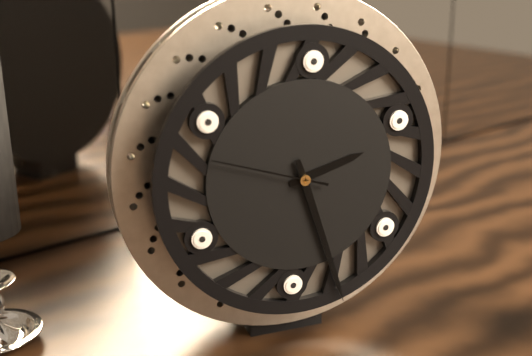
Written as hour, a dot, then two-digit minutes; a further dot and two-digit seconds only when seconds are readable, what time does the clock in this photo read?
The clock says 2.27.48
